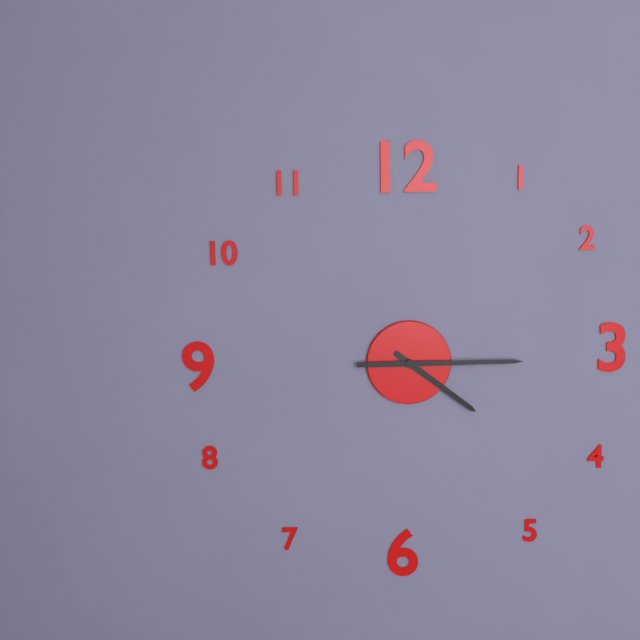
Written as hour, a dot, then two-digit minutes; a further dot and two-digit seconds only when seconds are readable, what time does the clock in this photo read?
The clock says 4.15
